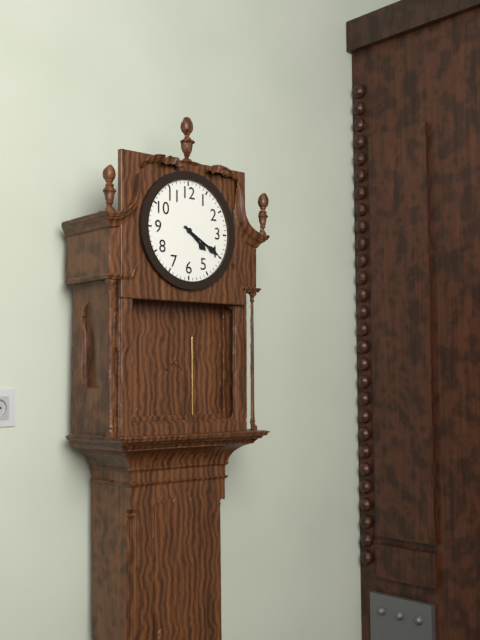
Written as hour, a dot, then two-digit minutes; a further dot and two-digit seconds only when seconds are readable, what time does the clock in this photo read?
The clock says 4.20
